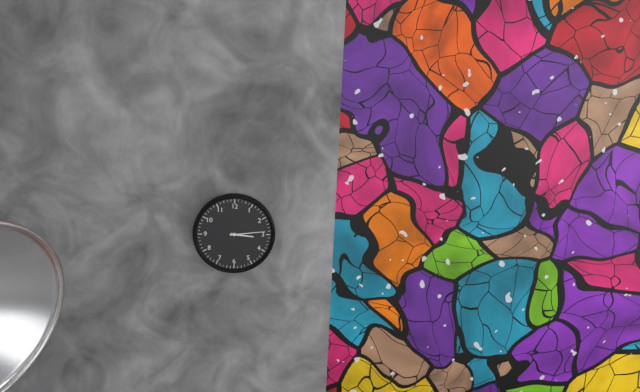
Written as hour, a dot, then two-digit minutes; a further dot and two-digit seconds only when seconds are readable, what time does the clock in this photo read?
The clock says 3.14
